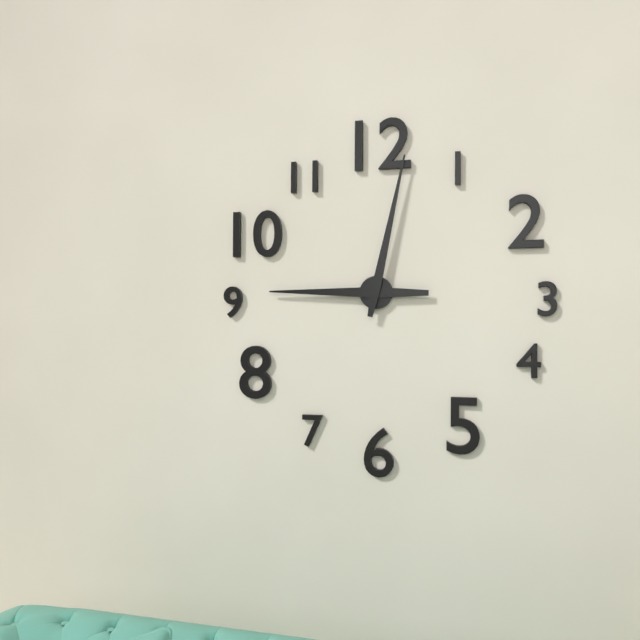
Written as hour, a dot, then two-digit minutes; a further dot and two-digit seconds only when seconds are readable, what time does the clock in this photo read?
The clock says 9.02
